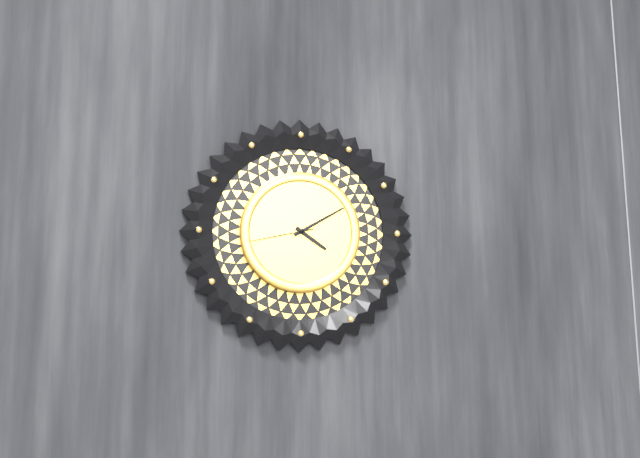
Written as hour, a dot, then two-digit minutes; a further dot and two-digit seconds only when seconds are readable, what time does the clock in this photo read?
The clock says 4.10.43
